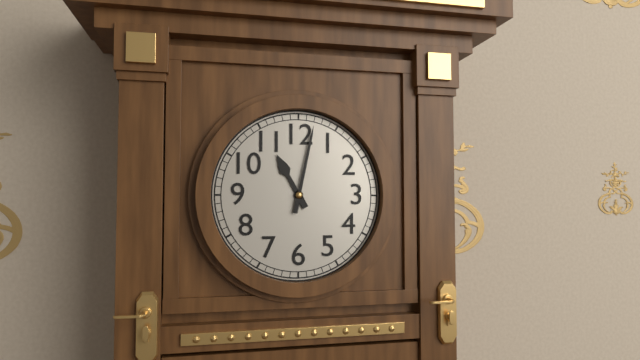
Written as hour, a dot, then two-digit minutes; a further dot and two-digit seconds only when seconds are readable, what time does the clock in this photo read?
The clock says 11.02
